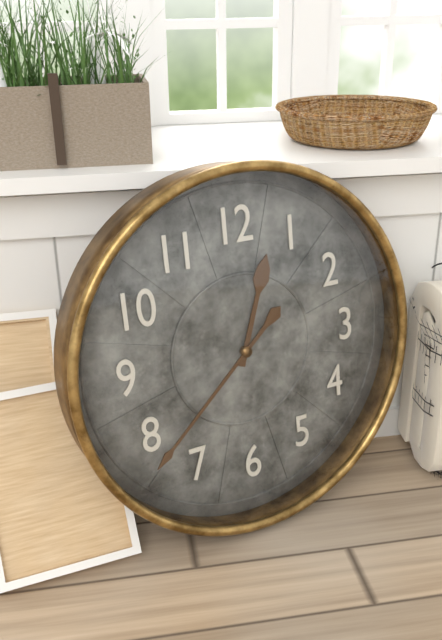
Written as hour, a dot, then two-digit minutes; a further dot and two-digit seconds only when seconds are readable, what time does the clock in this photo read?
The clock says 12.38
